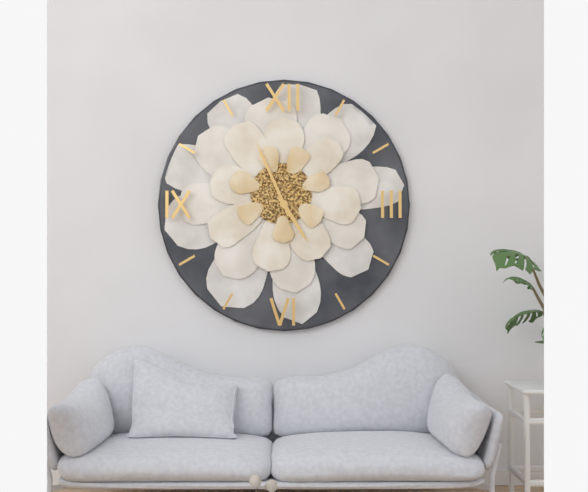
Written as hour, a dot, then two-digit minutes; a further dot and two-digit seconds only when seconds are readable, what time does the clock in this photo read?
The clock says 4.56
